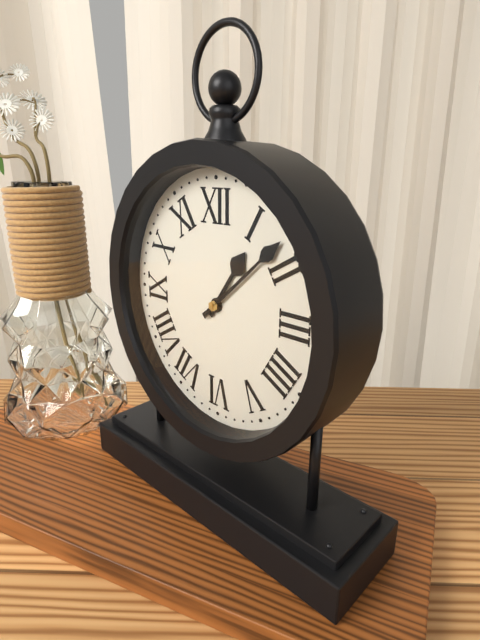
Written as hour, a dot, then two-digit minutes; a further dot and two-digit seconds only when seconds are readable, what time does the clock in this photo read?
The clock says 1.08
